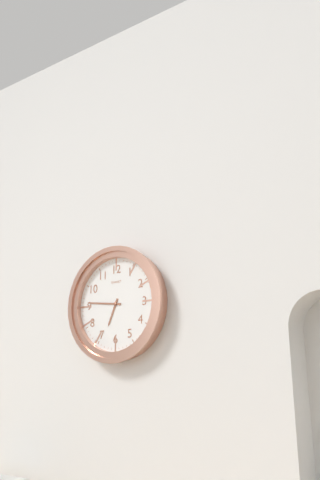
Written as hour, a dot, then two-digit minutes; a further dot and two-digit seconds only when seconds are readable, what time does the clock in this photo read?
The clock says 6.46
